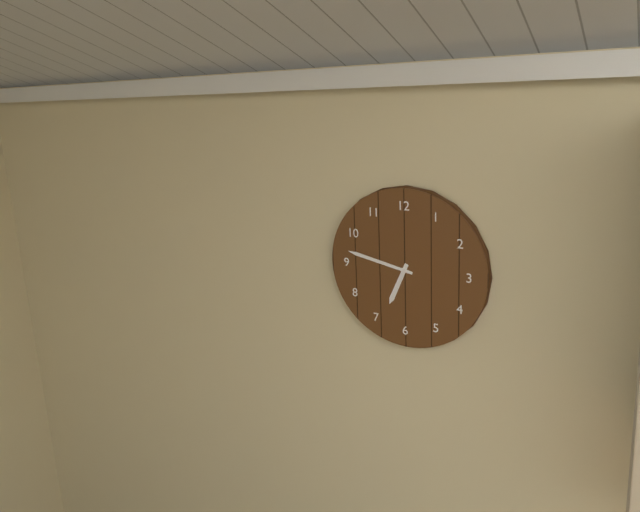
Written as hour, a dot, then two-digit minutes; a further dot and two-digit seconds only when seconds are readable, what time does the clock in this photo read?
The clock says 6.47
